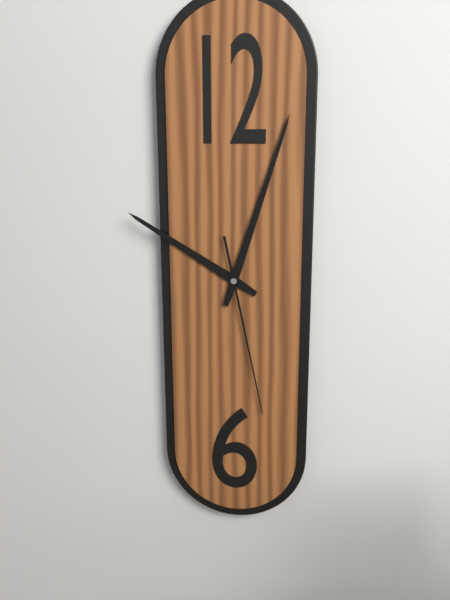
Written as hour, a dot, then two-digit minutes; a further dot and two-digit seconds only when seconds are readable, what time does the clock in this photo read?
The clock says 10.03.28
